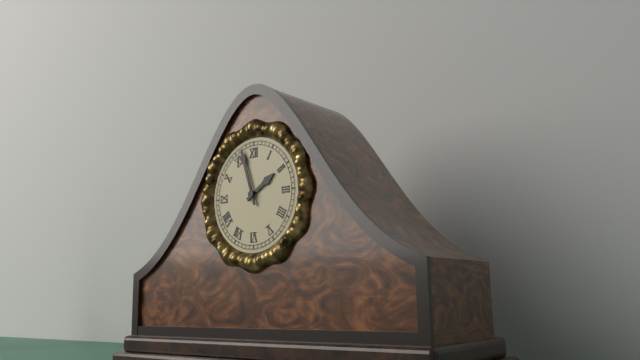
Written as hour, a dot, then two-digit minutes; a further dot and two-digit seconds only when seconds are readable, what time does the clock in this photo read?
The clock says 1.57
